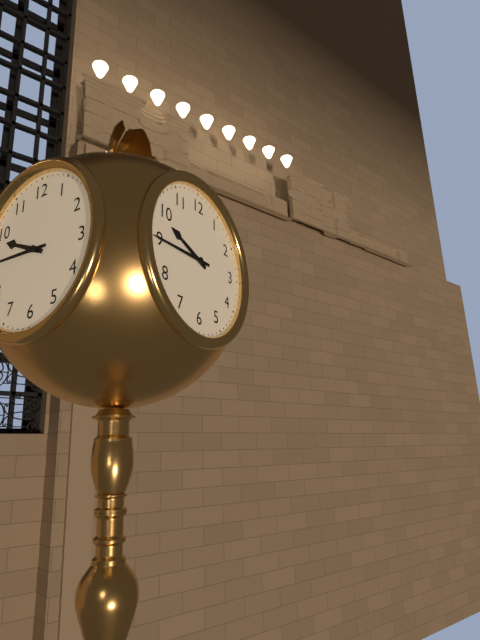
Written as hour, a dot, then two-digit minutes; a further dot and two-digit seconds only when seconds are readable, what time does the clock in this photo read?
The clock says 9.45
